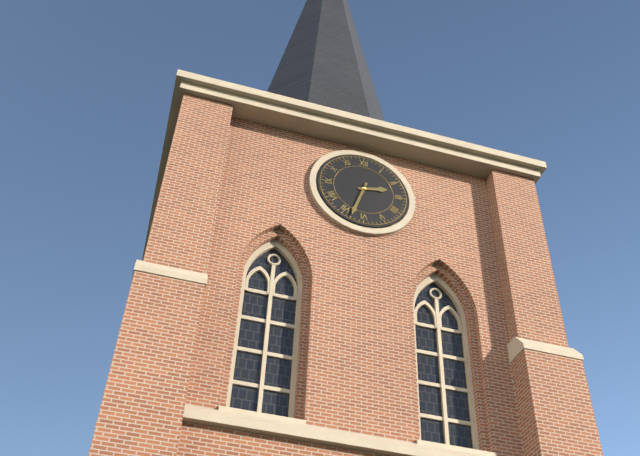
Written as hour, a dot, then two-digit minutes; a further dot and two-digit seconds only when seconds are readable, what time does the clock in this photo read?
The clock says 2.33
